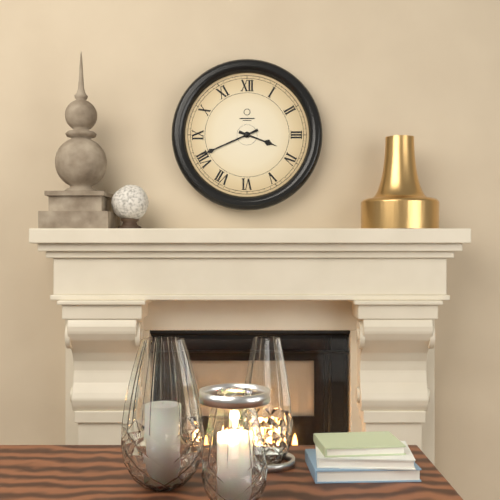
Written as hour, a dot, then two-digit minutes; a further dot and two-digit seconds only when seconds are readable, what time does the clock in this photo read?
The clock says 3.41
